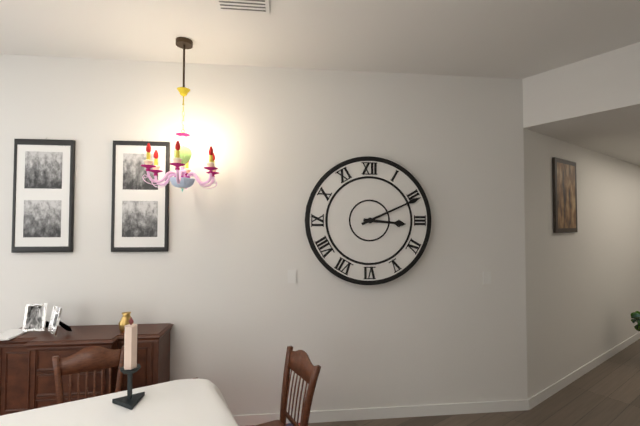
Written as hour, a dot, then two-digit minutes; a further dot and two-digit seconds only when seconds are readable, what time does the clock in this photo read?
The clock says 3.11
